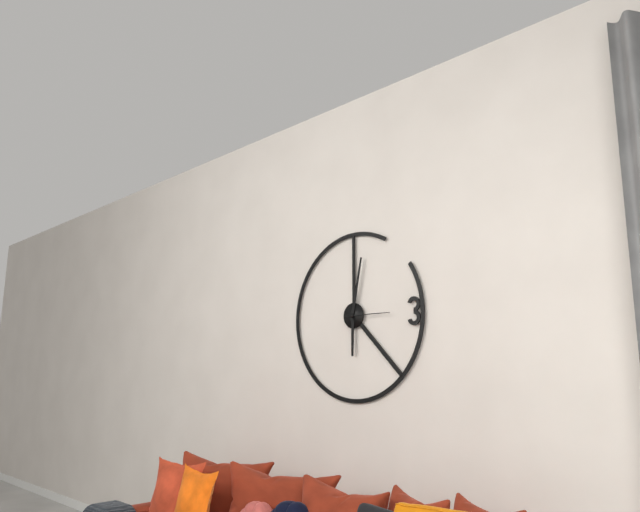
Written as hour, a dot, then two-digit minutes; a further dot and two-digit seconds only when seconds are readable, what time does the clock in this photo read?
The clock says 6.02
